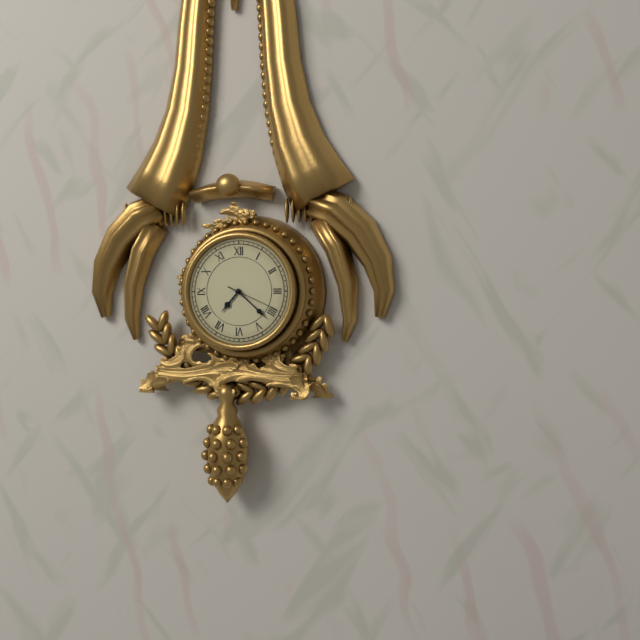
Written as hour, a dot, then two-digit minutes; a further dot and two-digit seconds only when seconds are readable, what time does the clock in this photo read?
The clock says 7.22.19
